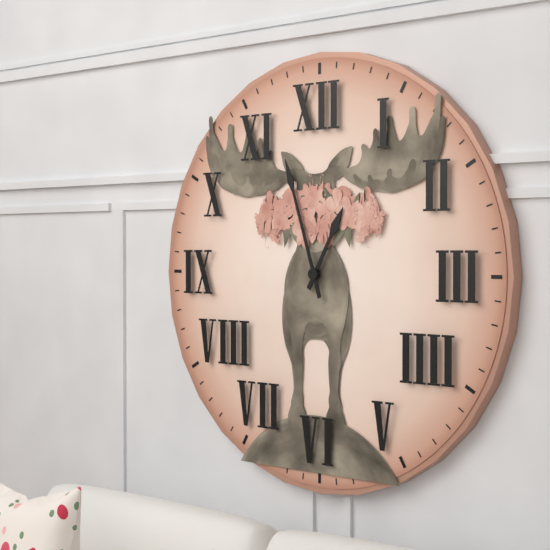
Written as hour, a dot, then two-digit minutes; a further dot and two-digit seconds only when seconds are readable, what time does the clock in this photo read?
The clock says 12.57
